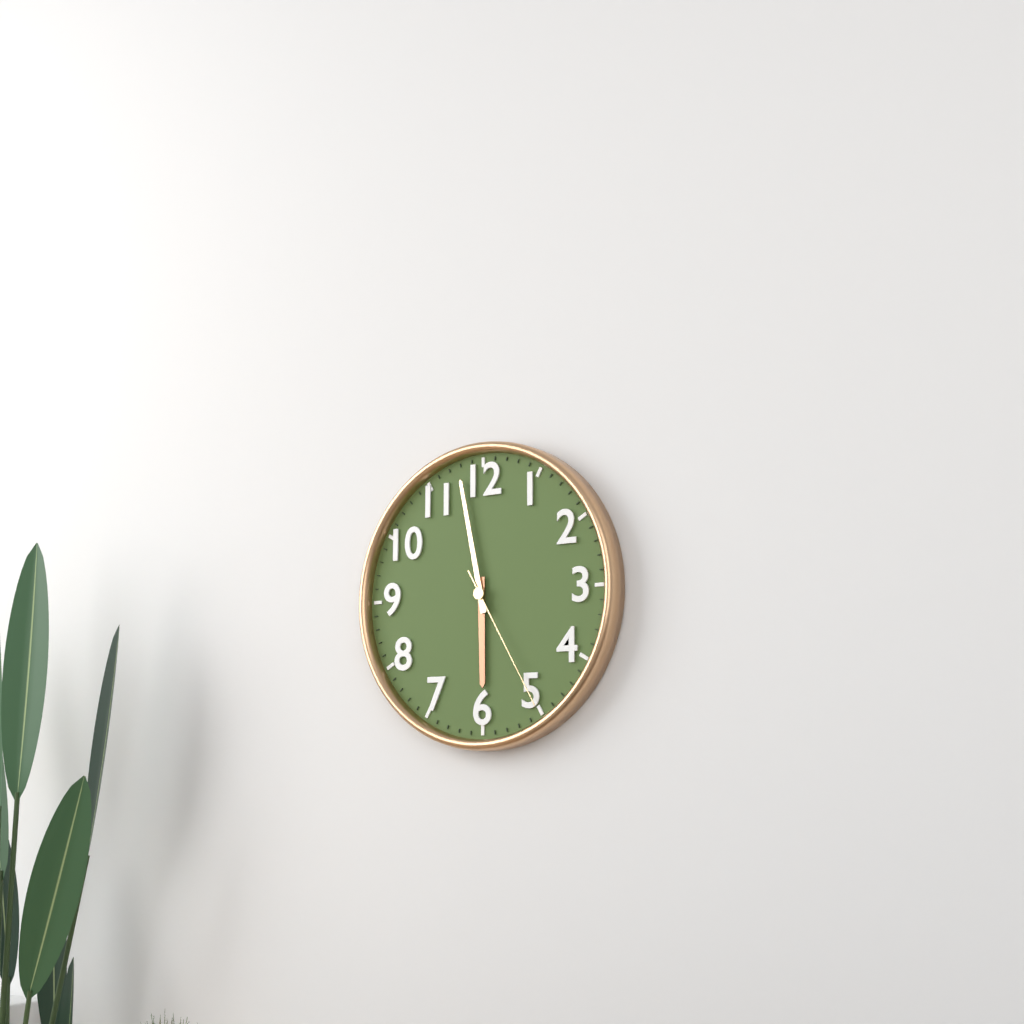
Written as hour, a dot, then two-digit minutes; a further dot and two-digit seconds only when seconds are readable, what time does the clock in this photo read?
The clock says 5.58.25
